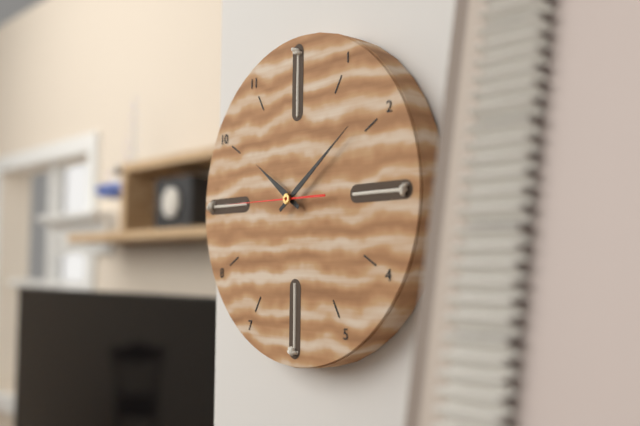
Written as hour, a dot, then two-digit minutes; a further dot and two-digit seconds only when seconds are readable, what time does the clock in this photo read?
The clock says 10.09.45
